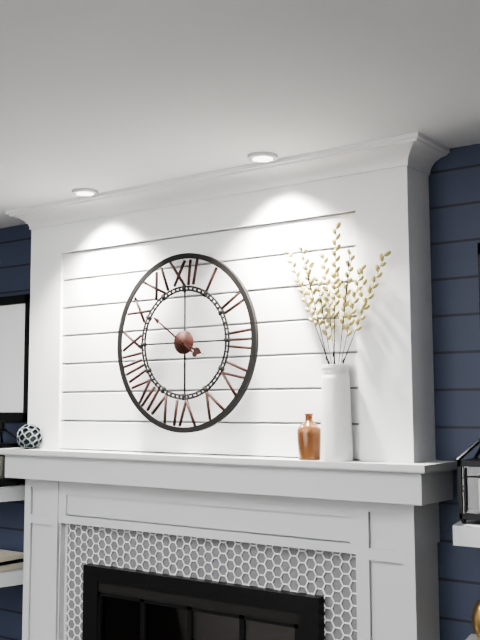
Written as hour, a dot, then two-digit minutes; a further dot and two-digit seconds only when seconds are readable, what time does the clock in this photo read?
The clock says 3.51
